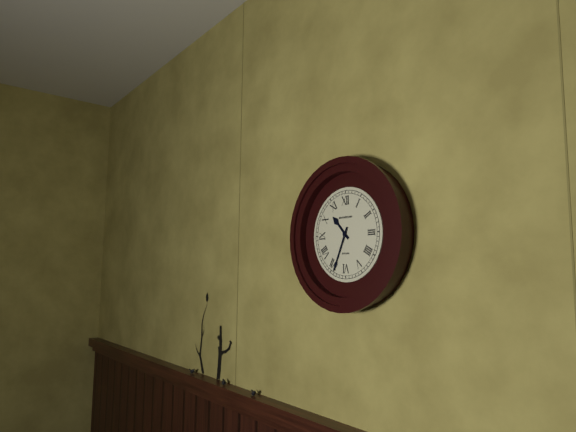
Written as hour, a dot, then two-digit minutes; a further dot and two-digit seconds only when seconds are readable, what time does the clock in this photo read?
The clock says 10.34
